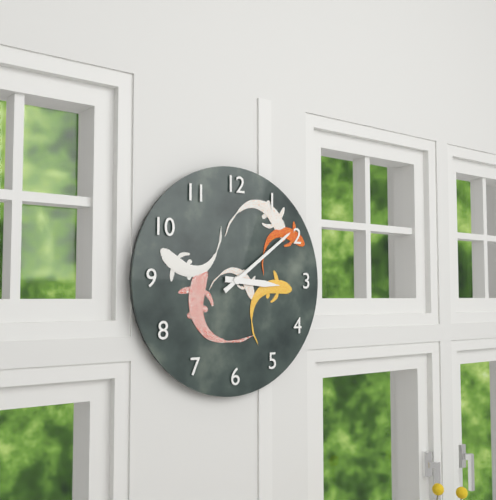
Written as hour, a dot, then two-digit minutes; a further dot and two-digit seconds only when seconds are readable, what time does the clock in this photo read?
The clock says 3.09
